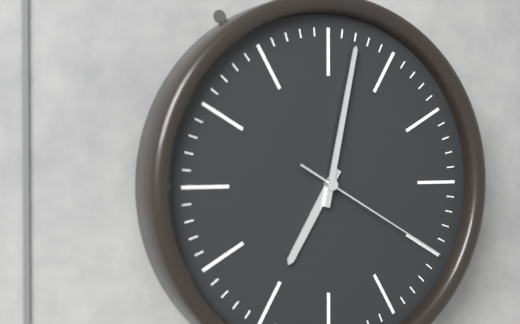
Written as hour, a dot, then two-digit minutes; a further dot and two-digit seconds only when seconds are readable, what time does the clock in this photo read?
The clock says 7.02.20
